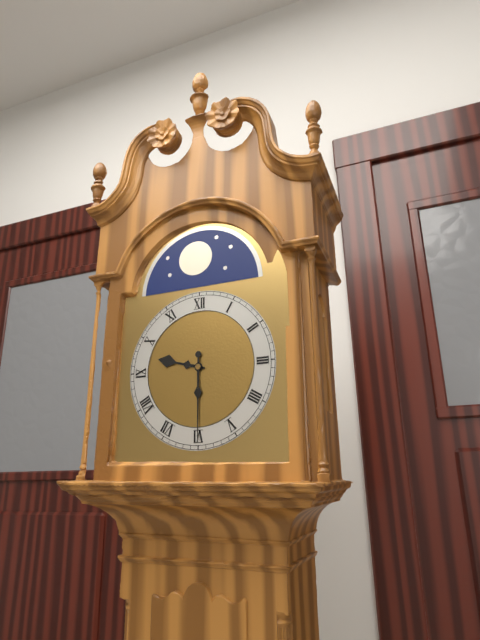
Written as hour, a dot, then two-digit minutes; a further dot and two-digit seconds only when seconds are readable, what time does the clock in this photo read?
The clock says 9.30
